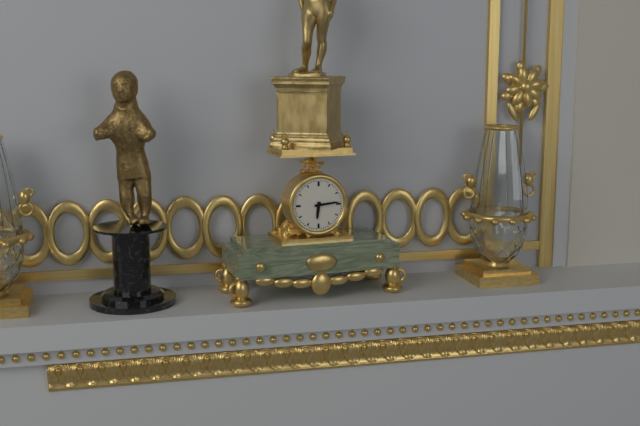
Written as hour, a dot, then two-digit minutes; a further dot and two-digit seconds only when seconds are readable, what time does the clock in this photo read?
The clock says 6.14
